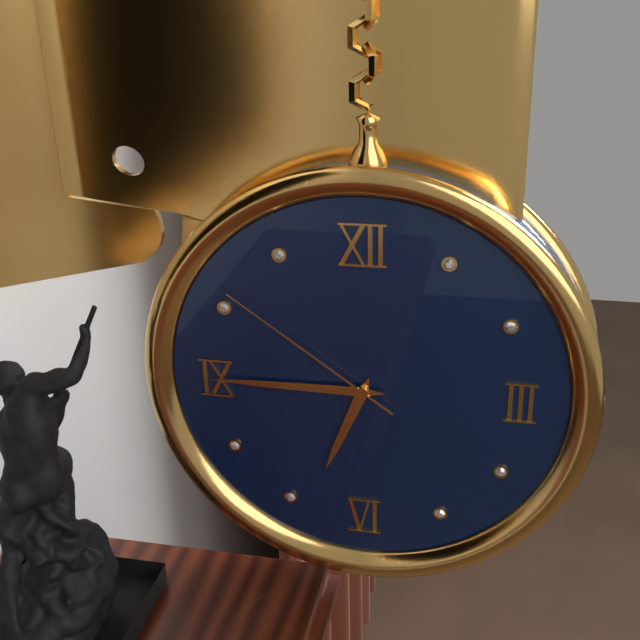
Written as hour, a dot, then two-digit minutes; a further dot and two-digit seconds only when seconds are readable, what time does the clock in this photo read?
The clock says 6.45.51
